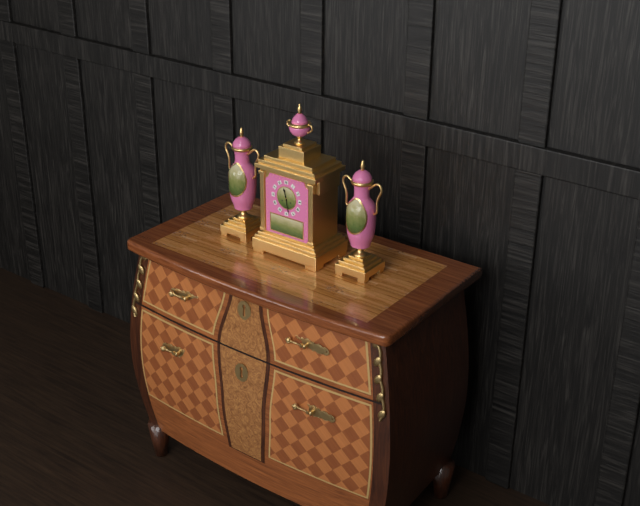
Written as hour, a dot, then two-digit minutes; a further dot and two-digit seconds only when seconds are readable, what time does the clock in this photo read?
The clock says 11.28
